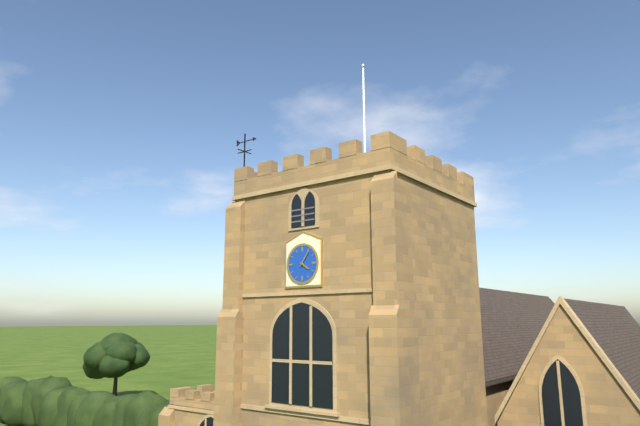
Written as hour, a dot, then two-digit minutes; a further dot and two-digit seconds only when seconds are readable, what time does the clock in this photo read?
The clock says 4.06
